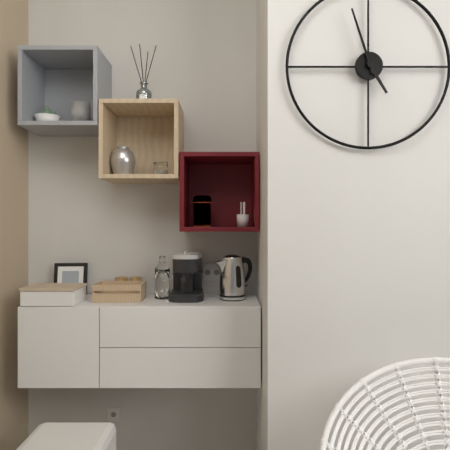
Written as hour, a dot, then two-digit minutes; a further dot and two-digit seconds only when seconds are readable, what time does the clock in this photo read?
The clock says 4.57
